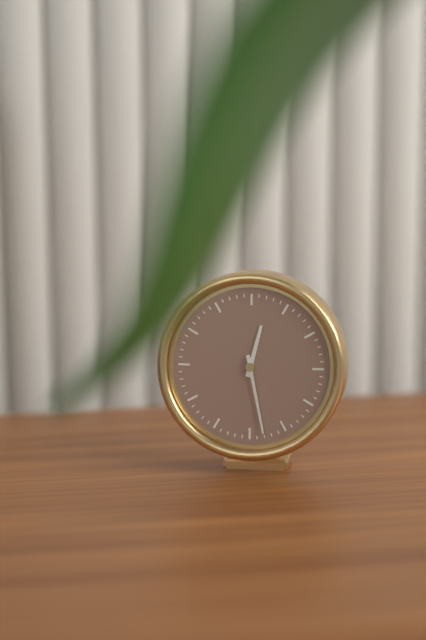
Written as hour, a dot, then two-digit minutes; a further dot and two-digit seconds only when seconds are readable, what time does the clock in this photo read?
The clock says 12.28
